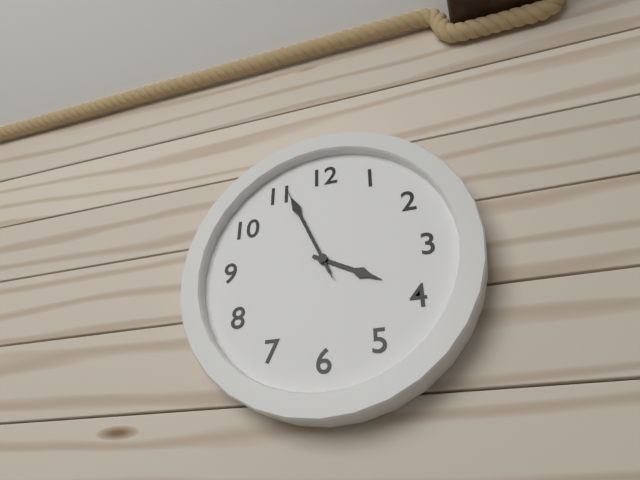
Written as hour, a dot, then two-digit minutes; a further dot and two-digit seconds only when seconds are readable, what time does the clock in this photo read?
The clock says 3.56.56
